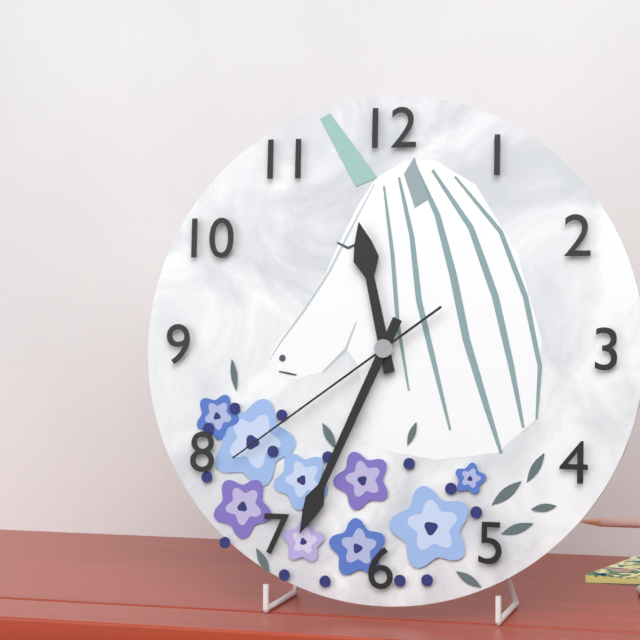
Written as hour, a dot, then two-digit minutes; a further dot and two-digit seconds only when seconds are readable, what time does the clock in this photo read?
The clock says 11.34.39
